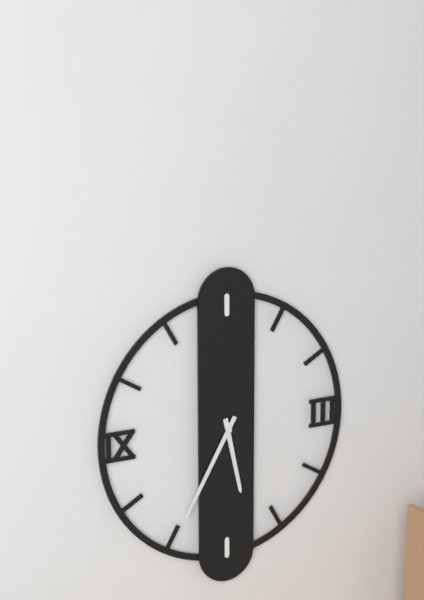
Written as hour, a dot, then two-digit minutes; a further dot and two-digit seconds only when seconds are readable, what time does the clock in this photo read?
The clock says 5.35
